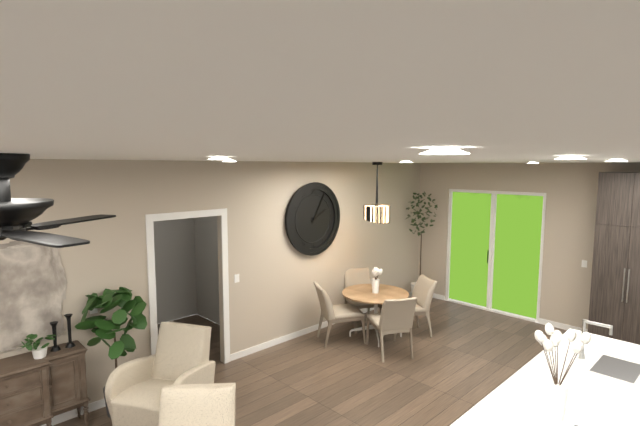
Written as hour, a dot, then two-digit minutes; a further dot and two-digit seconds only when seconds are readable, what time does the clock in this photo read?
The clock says 2.05
